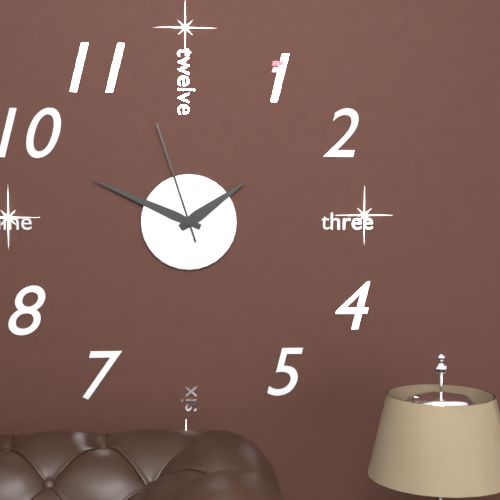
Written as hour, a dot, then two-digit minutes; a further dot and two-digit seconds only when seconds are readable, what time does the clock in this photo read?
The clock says 1.49.57
